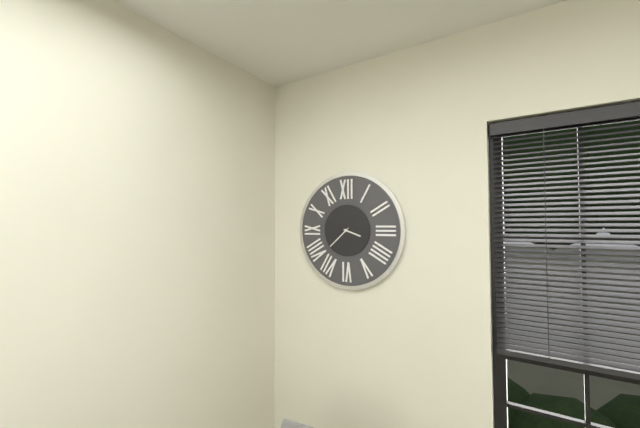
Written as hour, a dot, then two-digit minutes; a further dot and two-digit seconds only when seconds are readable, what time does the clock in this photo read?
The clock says 3.38
